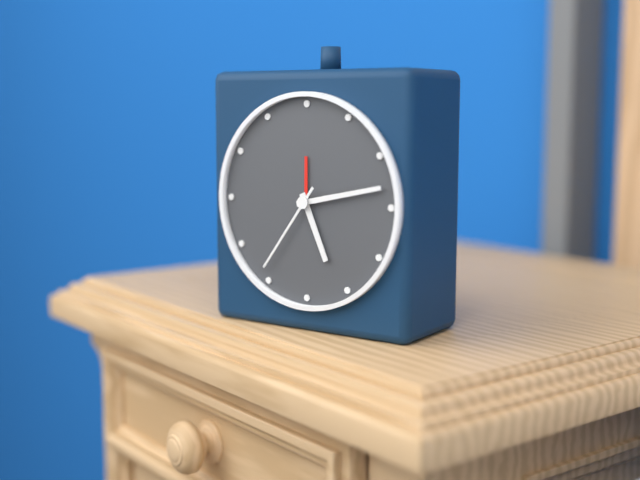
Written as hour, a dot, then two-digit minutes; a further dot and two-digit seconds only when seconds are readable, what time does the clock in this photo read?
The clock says 5.13.36
